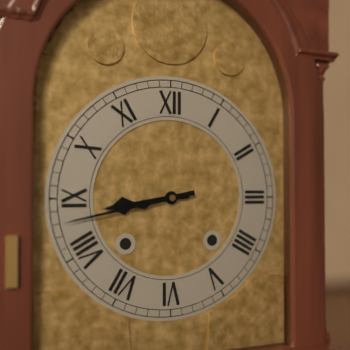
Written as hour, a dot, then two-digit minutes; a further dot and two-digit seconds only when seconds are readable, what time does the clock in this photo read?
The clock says 8.43
